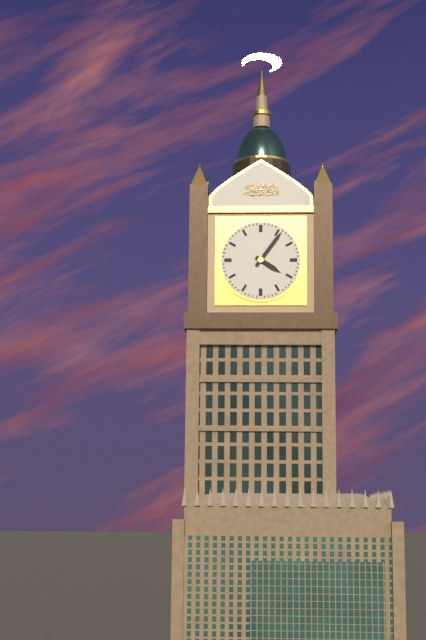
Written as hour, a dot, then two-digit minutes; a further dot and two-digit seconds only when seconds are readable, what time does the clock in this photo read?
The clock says 4.06
